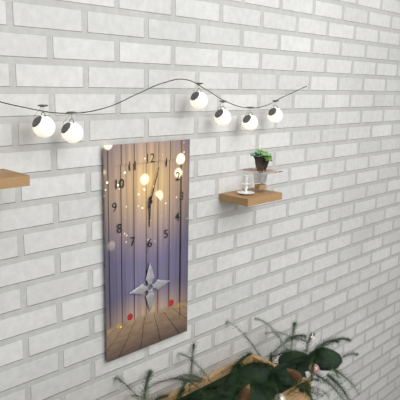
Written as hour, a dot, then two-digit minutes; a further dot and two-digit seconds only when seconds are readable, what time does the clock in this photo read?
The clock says 6.03
